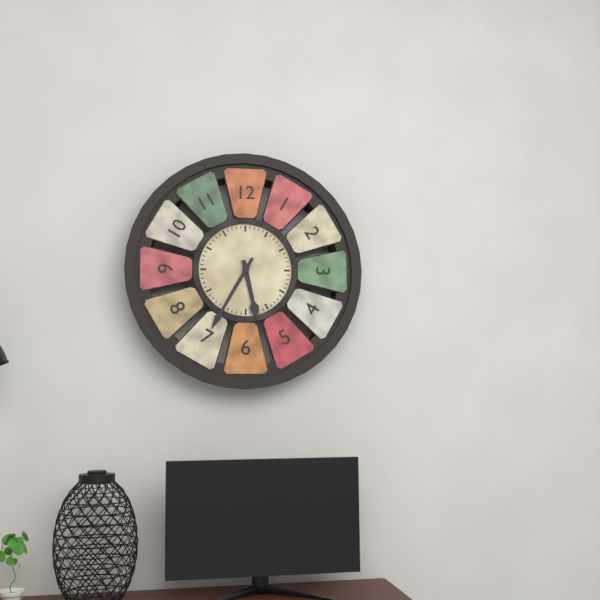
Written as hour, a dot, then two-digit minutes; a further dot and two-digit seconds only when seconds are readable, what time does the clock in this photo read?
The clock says 5.35
